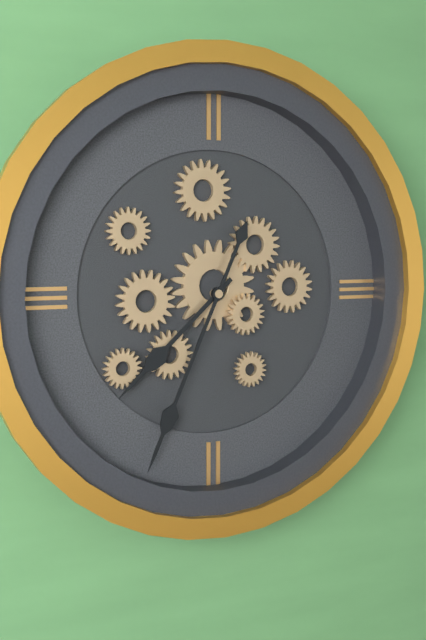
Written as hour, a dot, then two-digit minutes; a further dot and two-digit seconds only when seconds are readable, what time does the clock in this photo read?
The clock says 7.34
